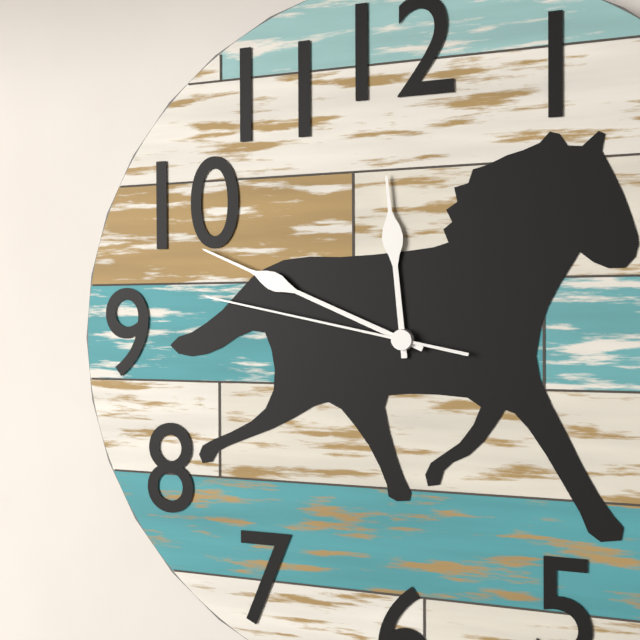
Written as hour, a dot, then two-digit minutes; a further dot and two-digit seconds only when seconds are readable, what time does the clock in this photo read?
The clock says 11.49.47
